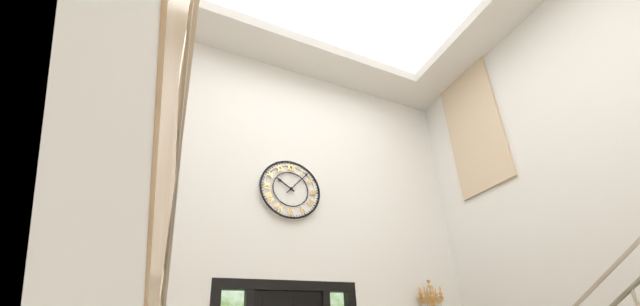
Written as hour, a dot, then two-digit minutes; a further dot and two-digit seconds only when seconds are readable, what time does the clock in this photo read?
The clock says 10.07
